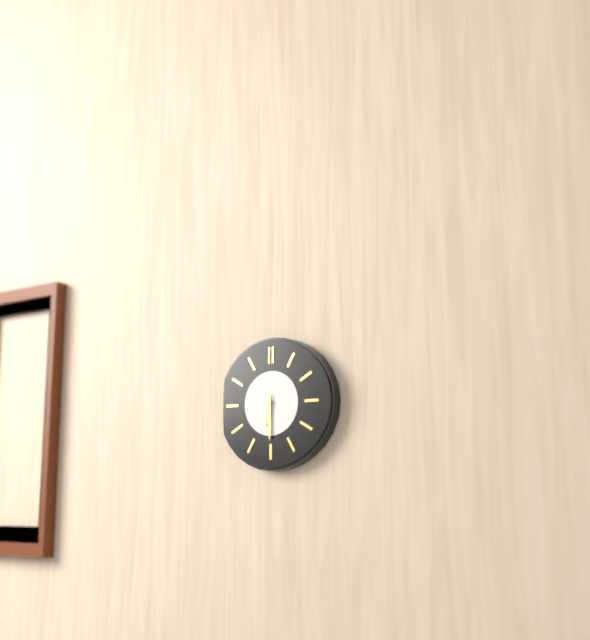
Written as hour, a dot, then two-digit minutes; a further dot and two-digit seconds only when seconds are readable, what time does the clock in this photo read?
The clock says 6.30
